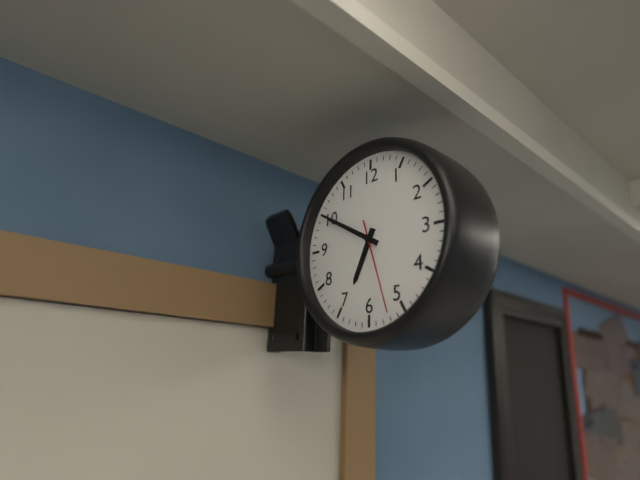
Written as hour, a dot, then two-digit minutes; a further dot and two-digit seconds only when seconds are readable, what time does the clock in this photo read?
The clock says 6.50.27
